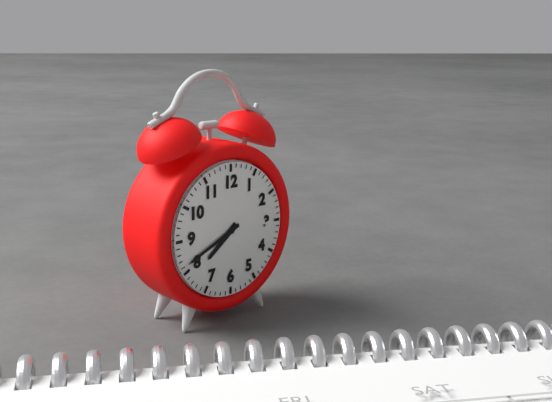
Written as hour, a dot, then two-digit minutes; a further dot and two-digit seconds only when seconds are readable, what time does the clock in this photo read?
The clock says 7.41
